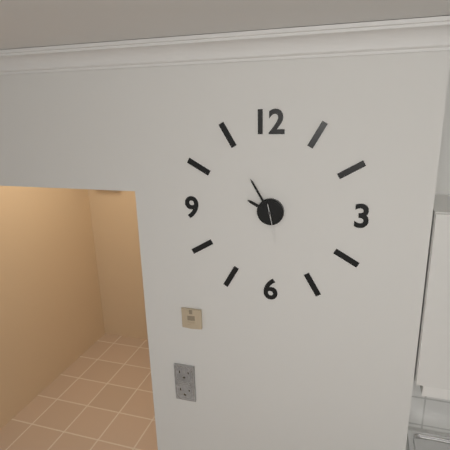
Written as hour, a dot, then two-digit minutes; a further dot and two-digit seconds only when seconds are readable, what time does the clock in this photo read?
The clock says 9.55
